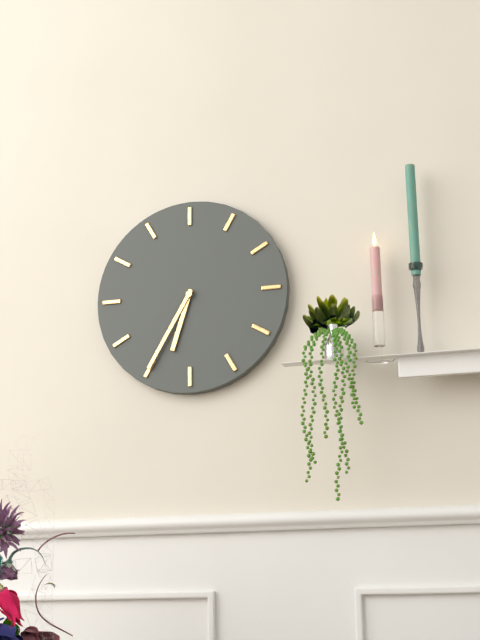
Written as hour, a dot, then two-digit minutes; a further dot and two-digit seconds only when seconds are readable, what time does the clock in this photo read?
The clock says 6.35
